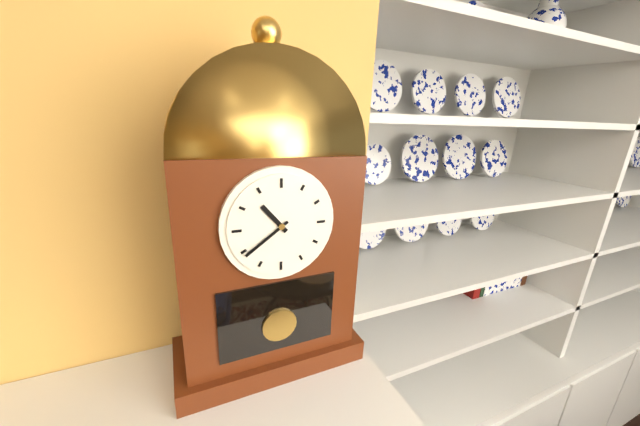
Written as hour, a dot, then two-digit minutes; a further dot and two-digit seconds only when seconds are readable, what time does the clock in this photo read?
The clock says 10.39
